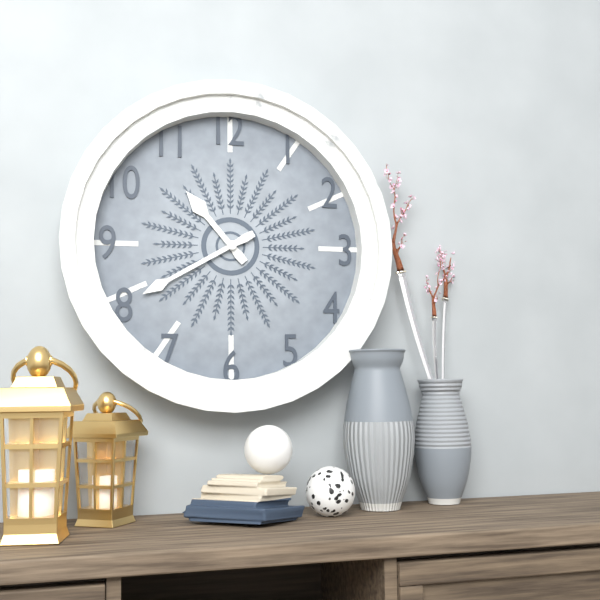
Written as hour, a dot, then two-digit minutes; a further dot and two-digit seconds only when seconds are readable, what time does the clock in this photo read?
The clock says 10.40
